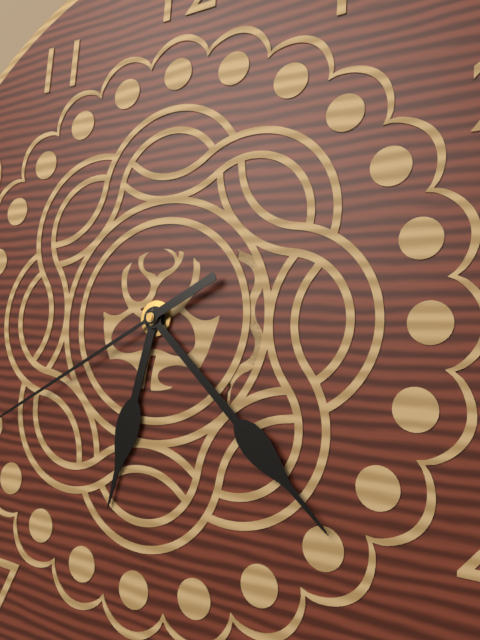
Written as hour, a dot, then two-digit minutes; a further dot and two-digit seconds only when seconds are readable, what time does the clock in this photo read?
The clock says 6.22
